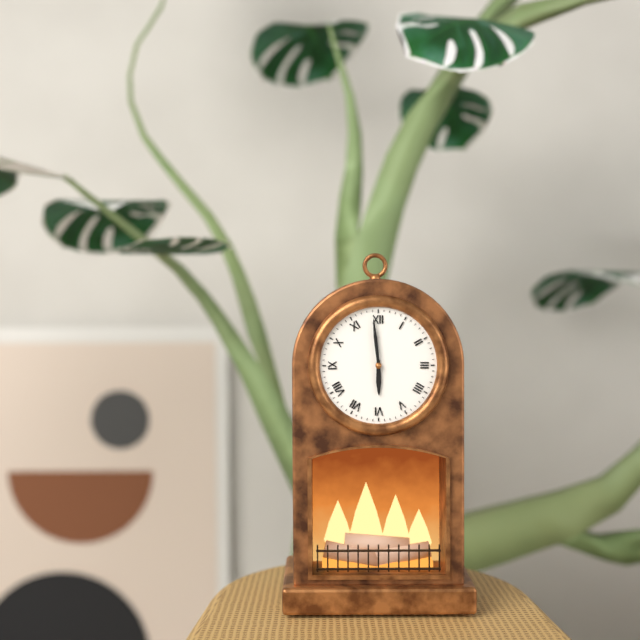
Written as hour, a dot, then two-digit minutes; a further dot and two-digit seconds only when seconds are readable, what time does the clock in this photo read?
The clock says 5.59
